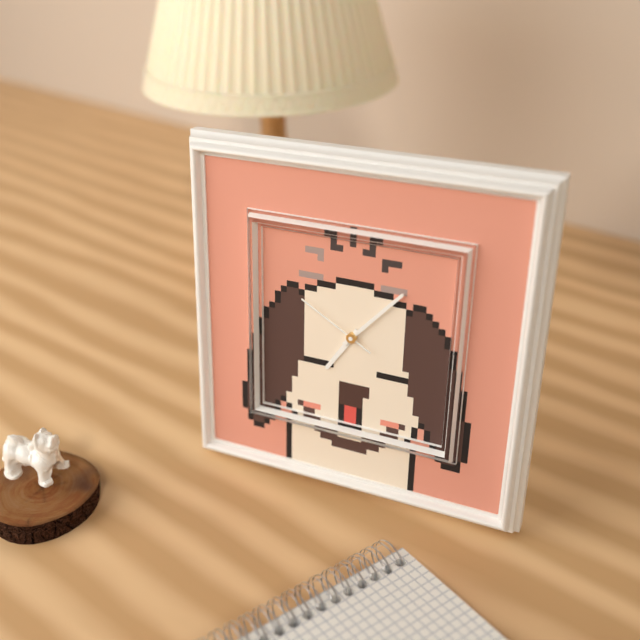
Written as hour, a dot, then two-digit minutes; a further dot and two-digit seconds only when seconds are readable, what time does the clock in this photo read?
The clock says 7.07.50
